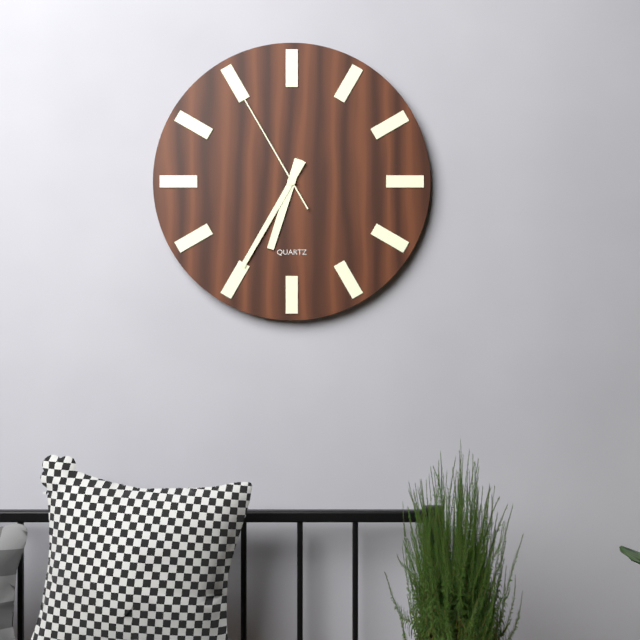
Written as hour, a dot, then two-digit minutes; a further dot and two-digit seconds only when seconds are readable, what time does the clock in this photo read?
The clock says 6.35.55
